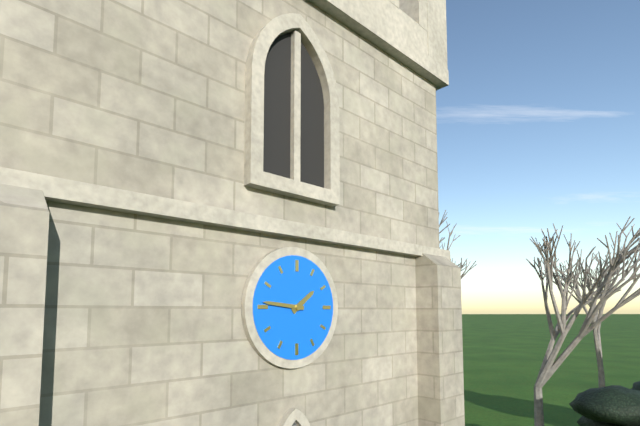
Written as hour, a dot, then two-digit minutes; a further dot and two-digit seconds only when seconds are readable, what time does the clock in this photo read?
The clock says 1.46
